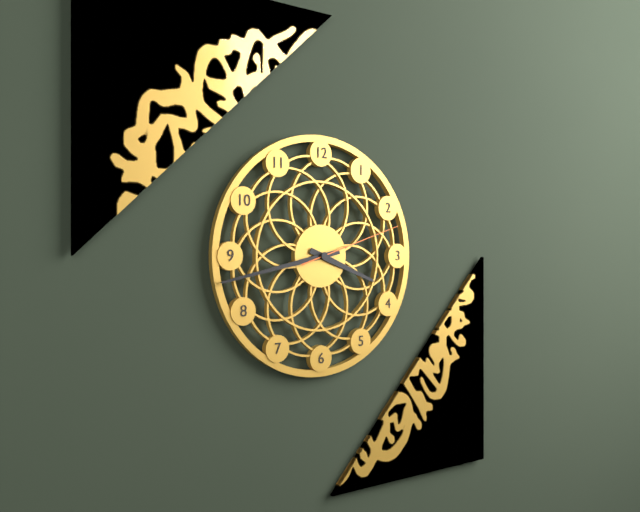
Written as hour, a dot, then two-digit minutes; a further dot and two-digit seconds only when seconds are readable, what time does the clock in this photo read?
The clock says 3.43.12
